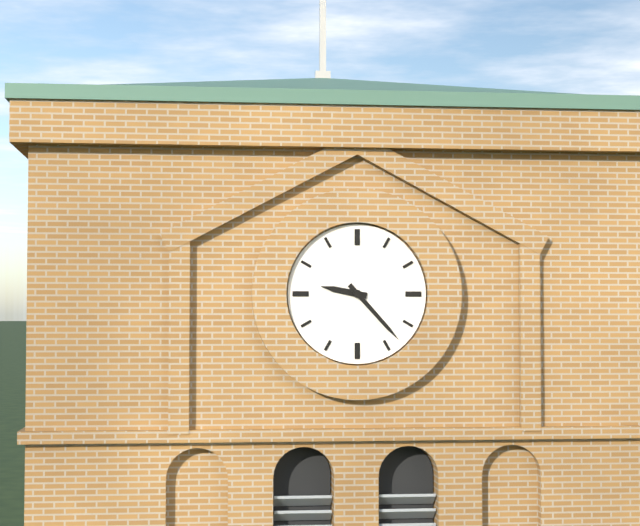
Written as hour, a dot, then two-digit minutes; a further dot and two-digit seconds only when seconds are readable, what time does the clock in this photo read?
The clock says 9.23
